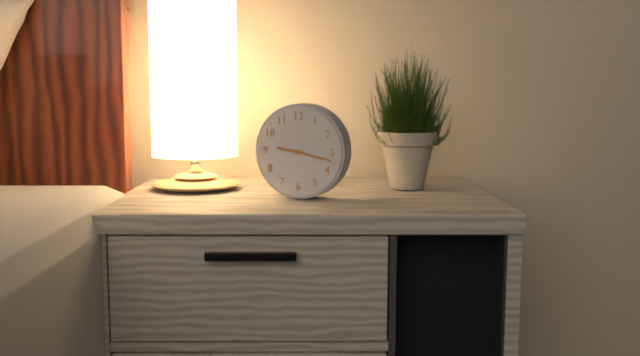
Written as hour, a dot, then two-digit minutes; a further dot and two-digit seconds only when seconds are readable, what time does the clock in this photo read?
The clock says 9.17
